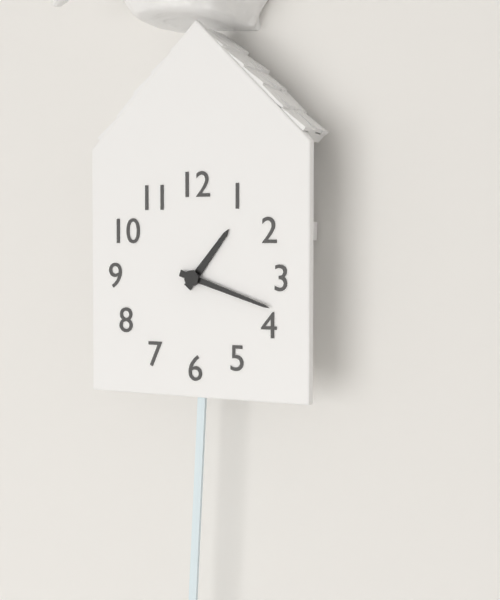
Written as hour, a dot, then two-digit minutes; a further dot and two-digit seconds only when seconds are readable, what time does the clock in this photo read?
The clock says 1.18
